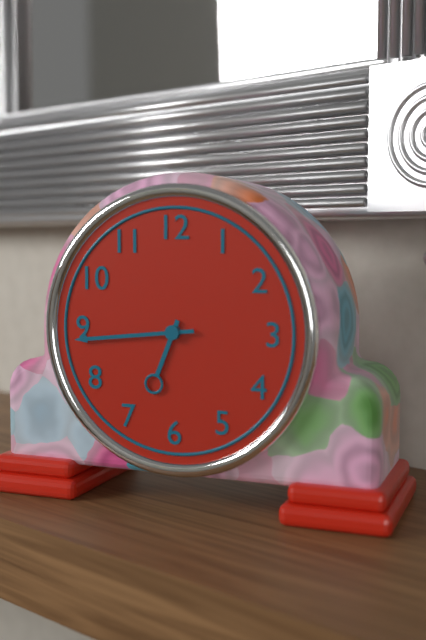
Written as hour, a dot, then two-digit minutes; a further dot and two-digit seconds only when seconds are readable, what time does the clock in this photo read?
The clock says 6.44
